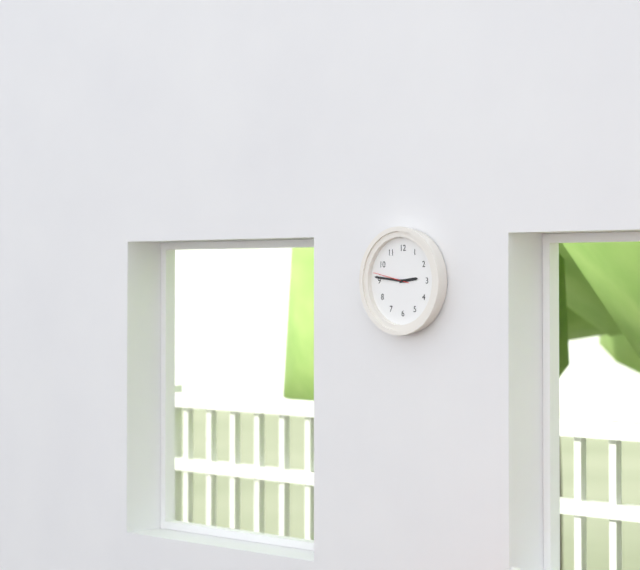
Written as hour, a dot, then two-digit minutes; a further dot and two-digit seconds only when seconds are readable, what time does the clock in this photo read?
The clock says 2.46
